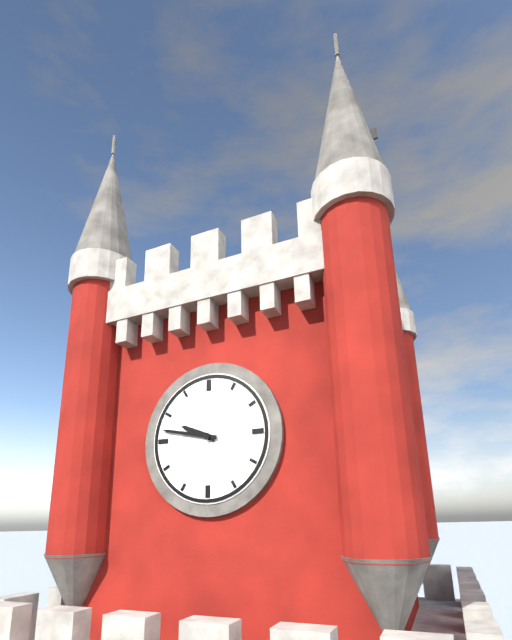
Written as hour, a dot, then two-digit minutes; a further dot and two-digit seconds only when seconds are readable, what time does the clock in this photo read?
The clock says 9.47
